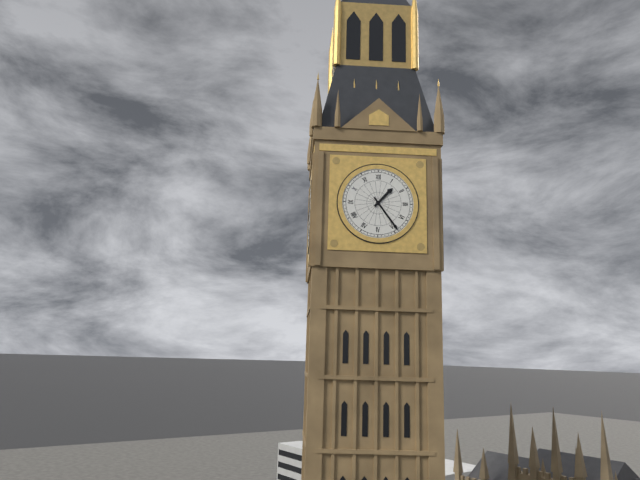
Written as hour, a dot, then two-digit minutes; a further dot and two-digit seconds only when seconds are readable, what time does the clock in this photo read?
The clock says 1.24
